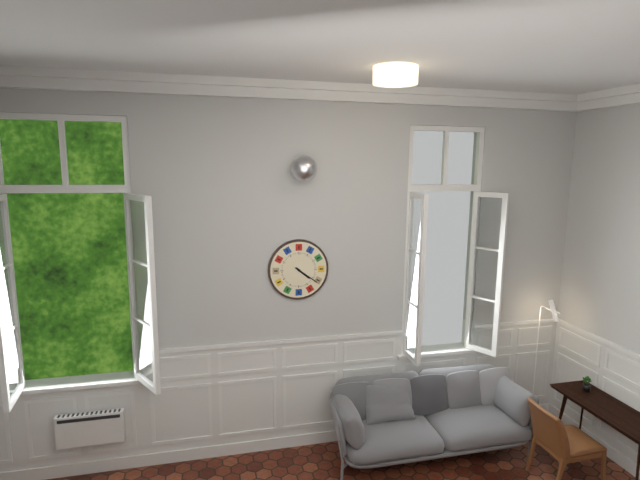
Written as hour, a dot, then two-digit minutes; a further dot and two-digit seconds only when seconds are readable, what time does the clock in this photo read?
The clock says 4.21
